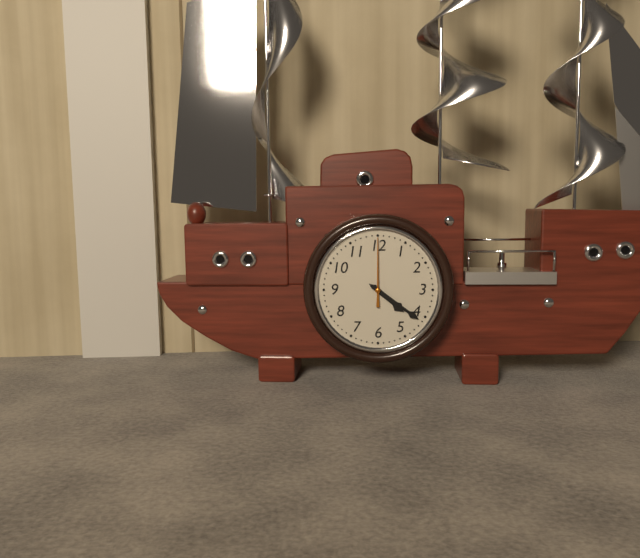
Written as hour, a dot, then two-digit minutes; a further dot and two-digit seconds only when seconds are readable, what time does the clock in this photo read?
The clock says 4.21.00
